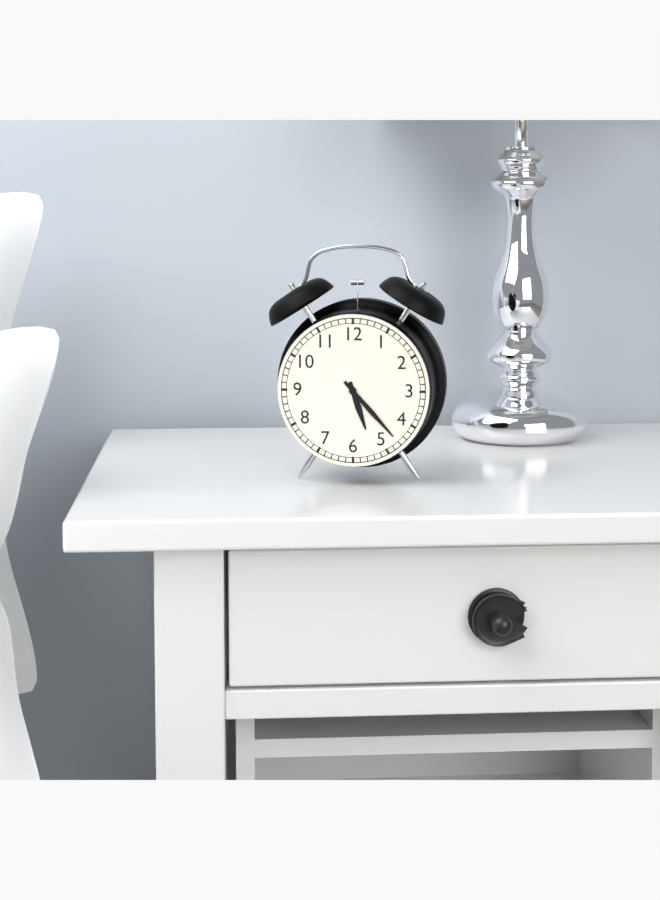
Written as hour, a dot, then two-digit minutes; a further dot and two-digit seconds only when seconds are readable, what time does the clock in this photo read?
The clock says 5.23
